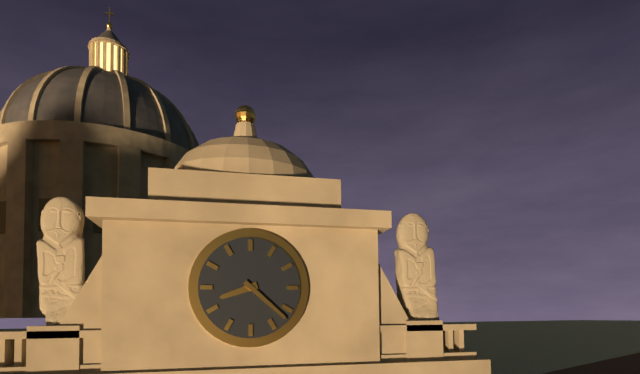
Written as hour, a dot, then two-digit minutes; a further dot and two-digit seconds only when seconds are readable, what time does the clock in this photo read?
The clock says 8.22
